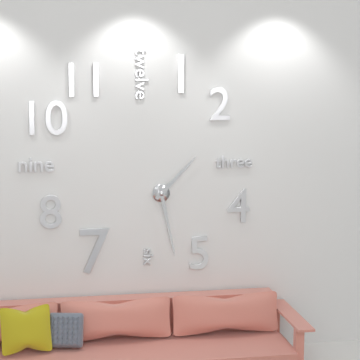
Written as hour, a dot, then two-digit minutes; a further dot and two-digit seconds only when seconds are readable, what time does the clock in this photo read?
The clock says 1.28
